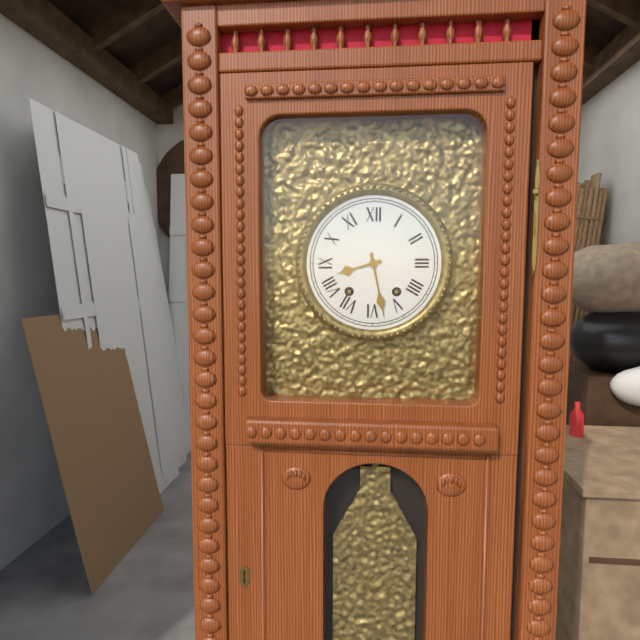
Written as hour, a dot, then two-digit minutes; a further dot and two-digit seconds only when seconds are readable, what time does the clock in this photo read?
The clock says 8.28
